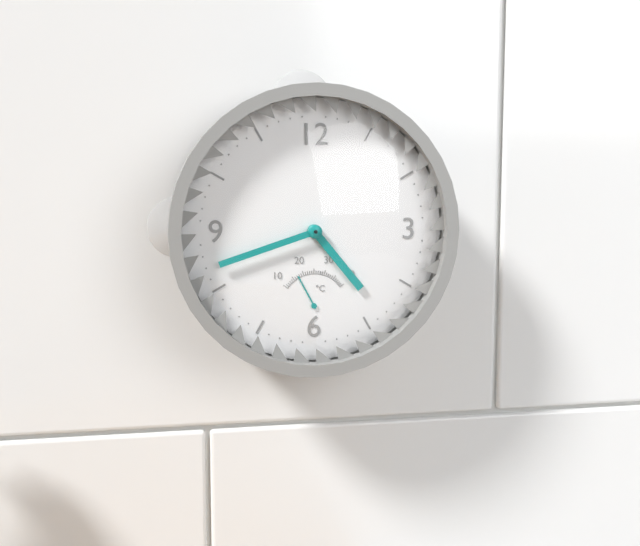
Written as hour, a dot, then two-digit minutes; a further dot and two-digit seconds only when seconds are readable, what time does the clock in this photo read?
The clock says 4.42
